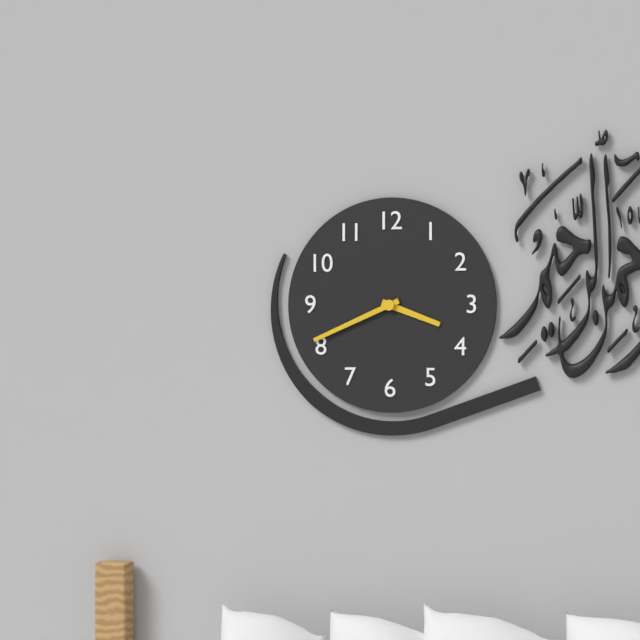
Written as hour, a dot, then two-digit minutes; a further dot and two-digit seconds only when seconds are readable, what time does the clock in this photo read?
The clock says 3.41
